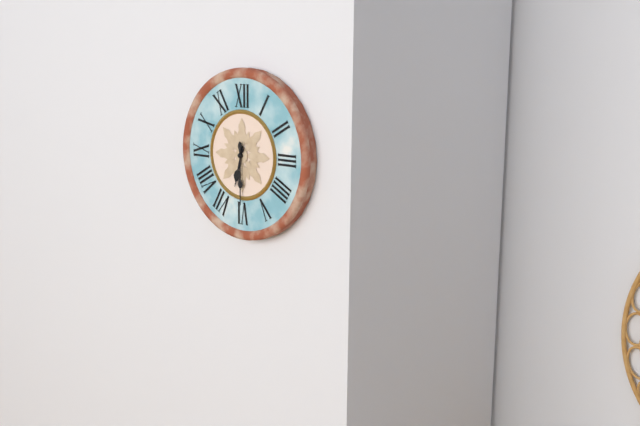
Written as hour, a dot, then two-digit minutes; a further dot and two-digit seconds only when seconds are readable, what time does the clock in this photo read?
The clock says 6.30
